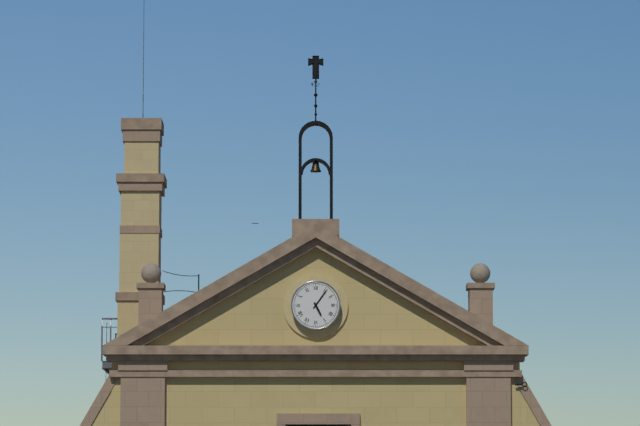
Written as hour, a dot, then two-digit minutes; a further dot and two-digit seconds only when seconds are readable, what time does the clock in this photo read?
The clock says 5.06
